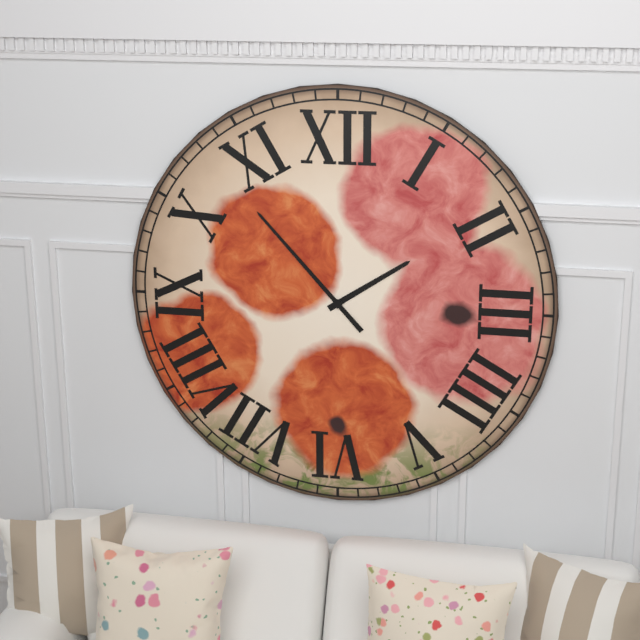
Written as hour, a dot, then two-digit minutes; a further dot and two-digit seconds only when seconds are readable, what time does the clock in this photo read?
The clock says 1.53
